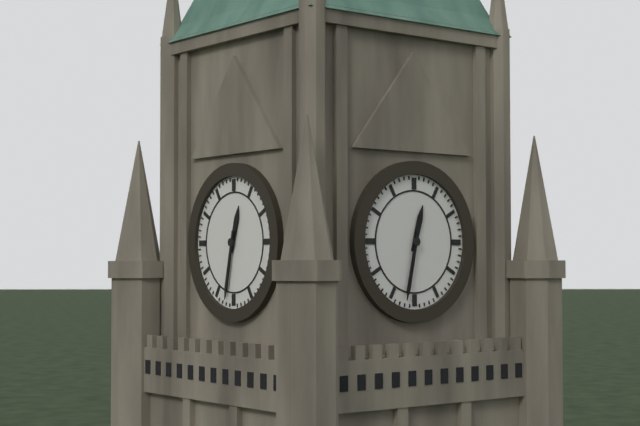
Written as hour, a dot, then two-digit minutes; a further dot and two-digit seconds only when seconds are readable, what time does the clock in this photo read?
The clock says 12.32
